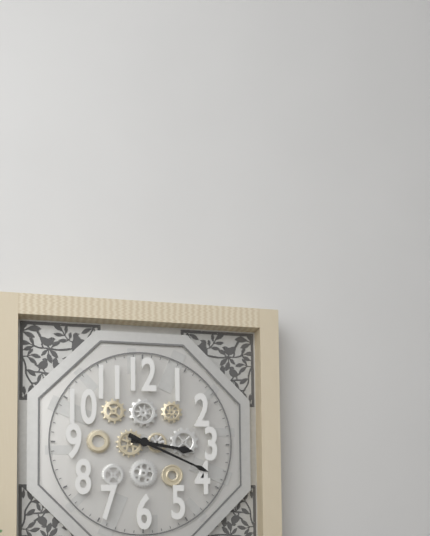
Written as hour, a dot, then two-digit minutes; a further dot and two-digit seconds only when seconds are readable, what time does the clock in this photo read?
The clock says 3.19
